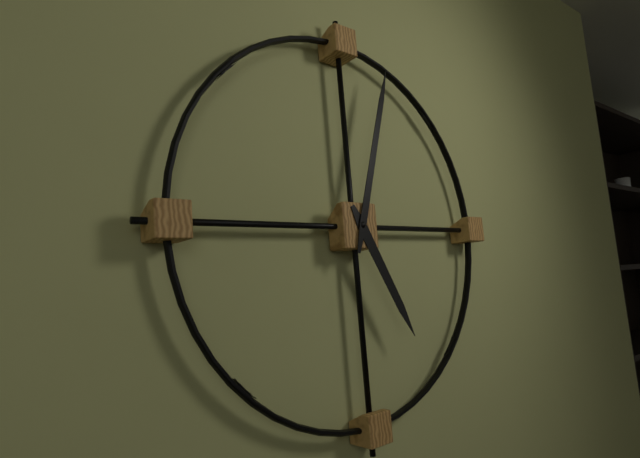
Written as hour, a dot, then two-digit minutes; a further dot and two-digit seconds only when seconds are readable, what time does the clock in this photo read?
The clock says 5.03
